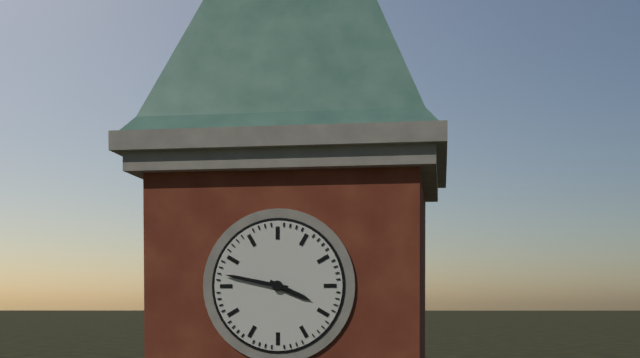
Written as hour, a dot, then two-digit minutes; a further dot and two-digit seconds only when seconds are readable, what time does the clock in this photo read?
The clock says 3.47
